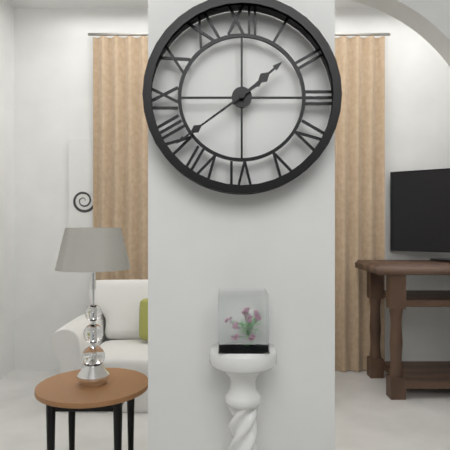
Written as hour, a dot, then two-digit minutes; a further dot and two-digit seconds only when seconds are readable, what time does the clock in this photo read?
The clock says 1.39
